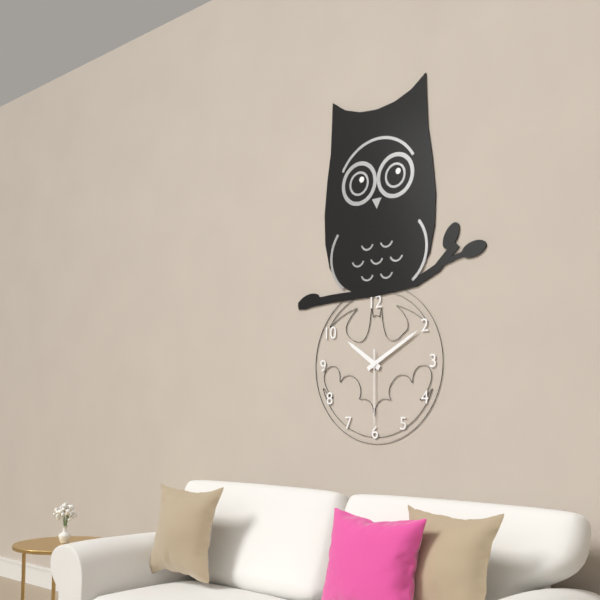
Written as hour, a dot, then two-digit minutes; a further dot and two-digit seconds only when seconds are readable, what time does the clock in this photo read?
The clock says 10.10.30
